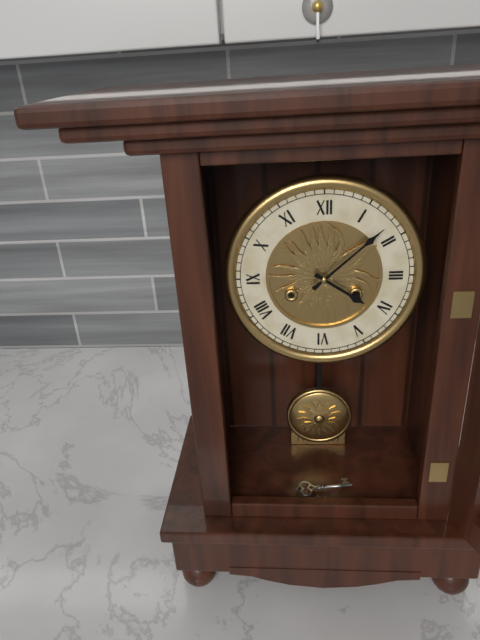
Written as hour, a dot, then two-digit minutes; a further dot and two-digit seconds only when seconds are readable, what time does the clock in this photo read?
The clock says 4.08
